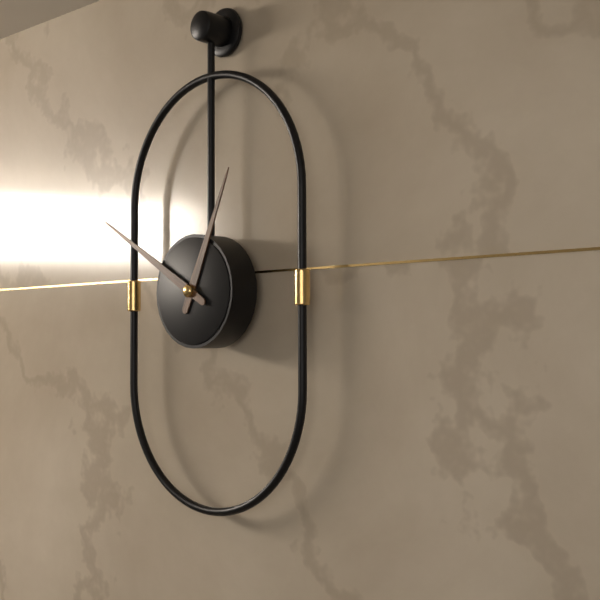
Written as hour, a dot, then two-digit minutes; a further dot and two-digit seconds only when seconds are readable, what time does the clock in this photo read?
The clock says 12.50
